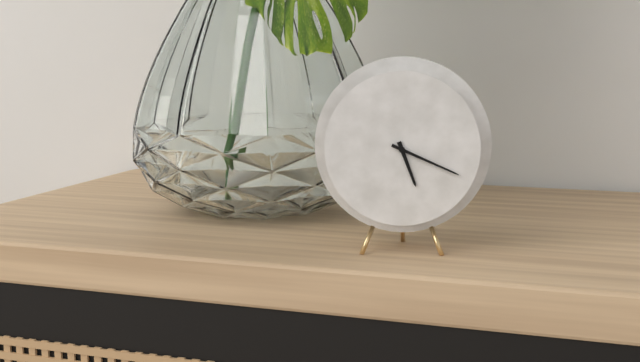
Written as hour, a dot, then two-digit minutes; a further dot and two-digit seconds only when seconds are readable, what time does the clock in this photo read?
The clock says 5.19
